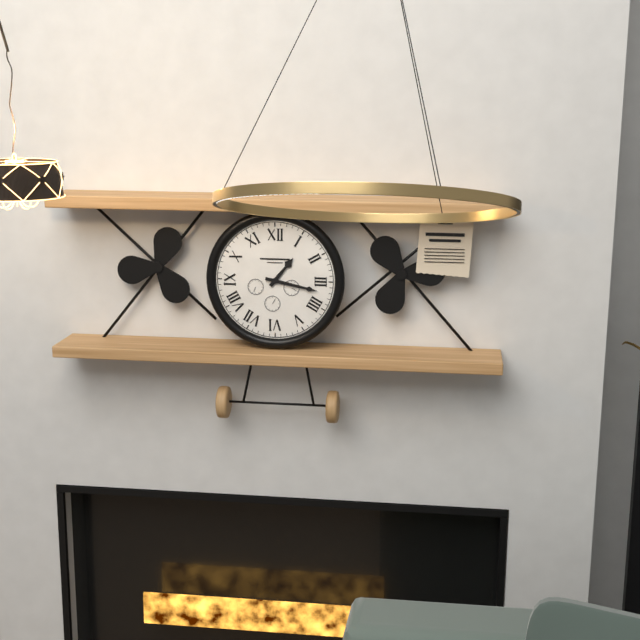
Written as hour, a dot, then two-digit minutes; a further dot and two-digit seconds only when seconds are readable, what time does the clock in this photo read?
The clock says 1.17
